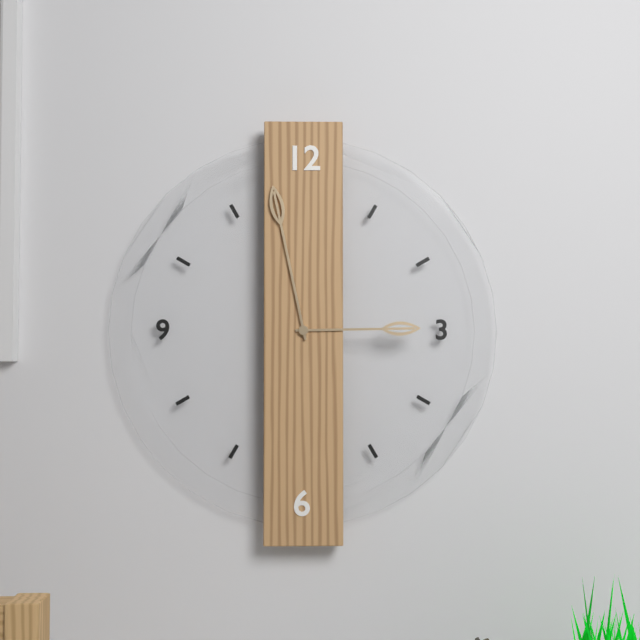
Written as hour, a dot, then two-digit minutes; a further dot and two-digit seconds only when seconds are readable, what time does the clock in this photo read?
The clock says 2.58
